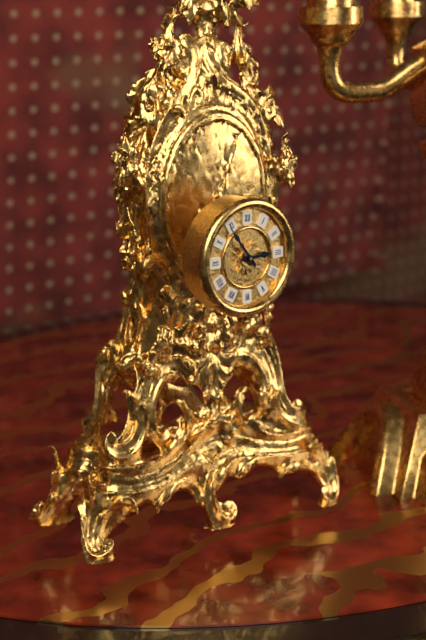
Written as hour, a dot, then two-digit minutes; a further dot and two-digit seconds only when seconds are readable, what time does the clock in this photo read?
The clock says 2.54
